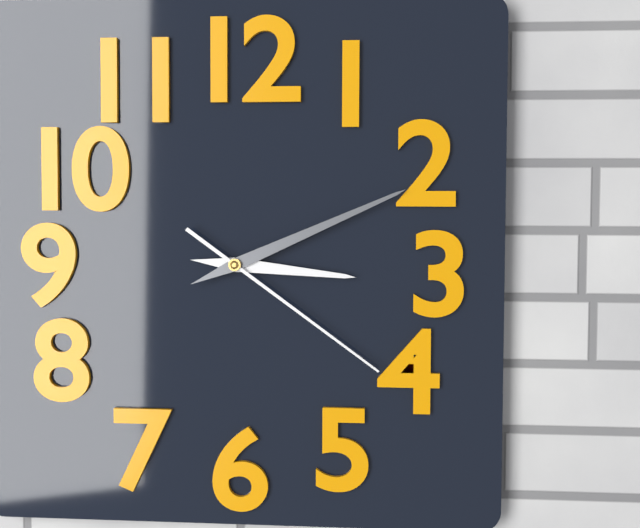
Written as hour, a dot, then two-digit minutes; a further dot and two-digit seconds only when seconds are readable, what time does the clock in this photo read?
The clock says 3.11.21
